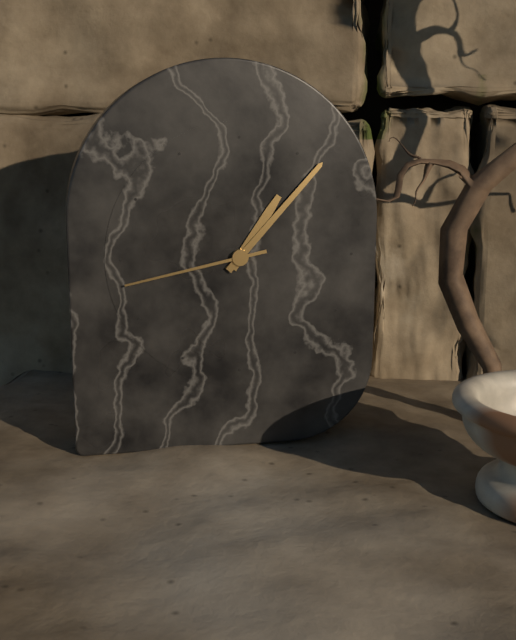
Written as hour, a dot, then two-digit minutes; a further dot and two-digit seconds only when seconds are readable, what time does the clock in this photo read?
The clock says 1.07.43
